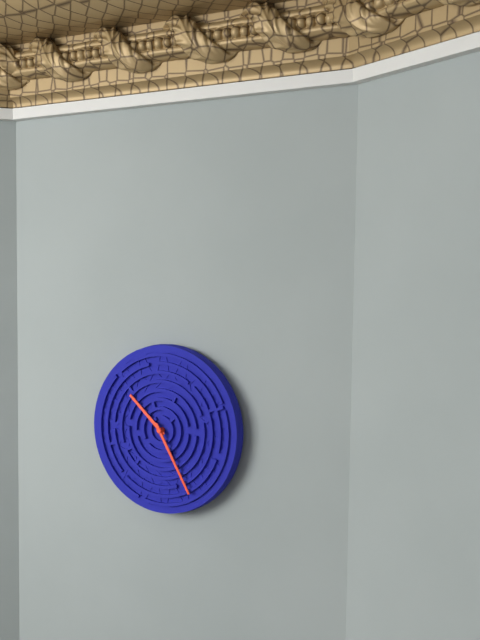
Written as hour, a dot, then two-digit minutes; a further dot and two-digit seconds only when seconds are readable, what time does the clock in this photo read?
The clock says 10.25
